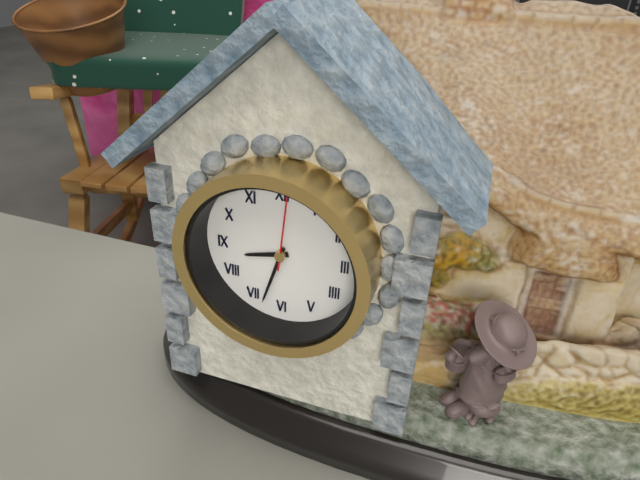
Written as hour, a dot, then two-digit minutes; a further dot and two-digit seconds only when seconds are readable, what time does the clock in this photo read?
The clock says 8.33.01
